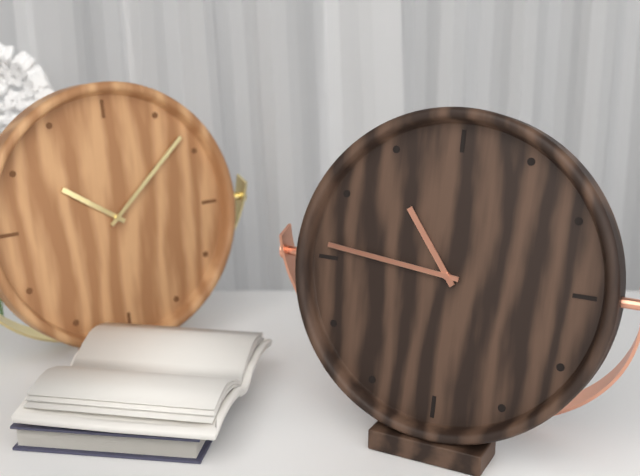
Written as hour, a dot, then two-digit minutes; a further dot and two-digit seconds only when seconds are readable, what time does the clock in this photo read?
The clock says 10.46
